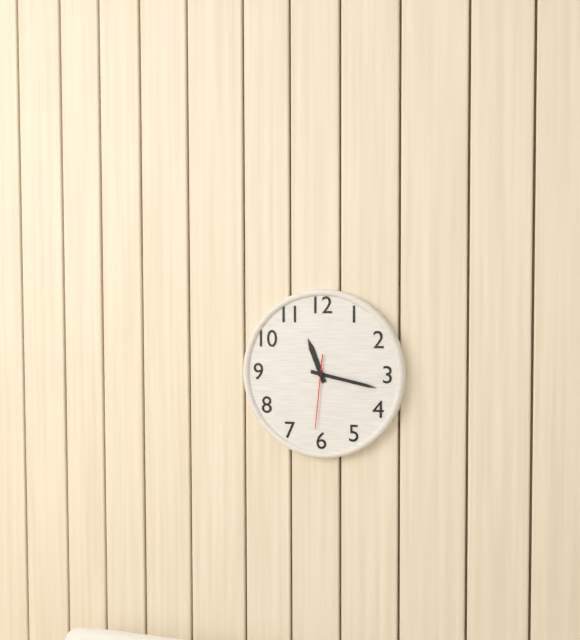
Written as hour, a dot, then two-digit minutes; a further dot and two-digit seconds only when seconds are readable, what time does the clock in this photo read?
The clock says 11.17.31
